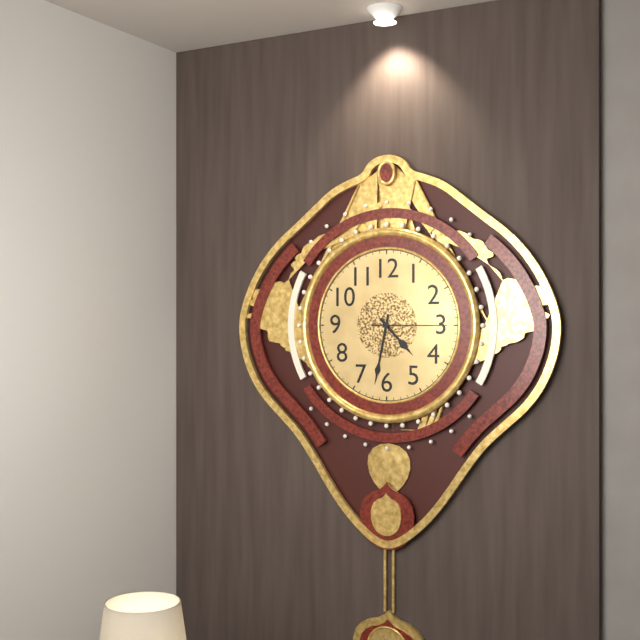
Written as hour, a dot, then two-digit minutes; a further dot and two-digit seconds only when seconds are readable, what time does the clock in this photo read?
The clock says 4.32.15
